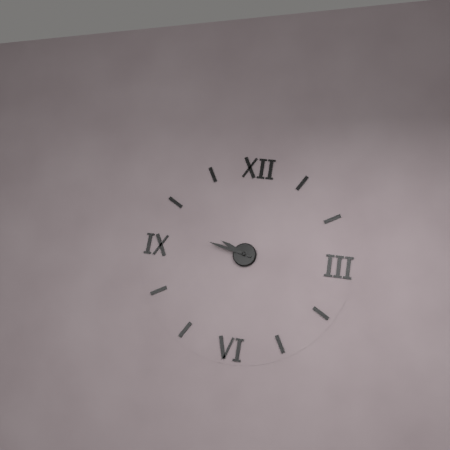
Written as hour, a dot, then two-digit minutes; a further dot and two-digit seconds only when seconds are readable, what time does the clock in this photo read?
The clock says 9.47
